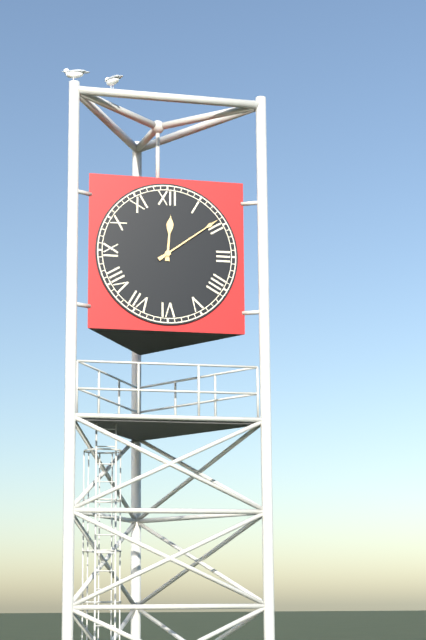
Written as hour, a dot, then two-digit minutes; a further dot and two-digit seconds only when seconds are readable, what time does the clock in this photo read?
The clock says 12.09
